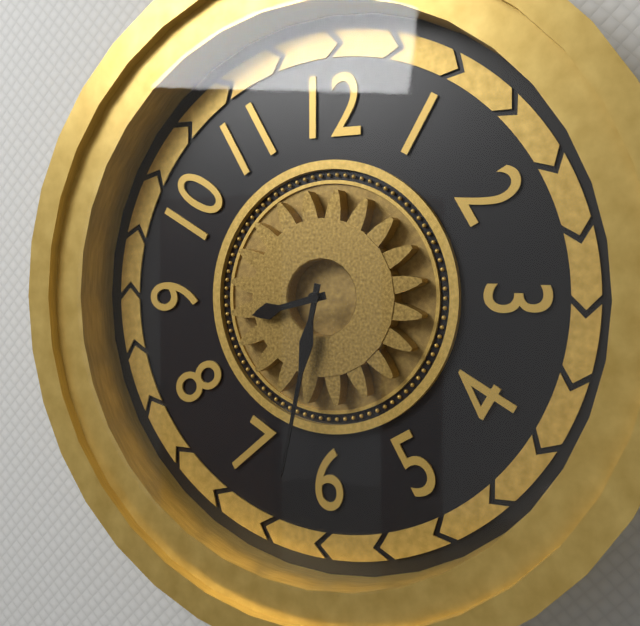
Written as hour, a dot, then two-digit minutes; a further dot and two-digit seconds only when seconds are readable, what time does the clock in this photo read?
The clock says 8.32
